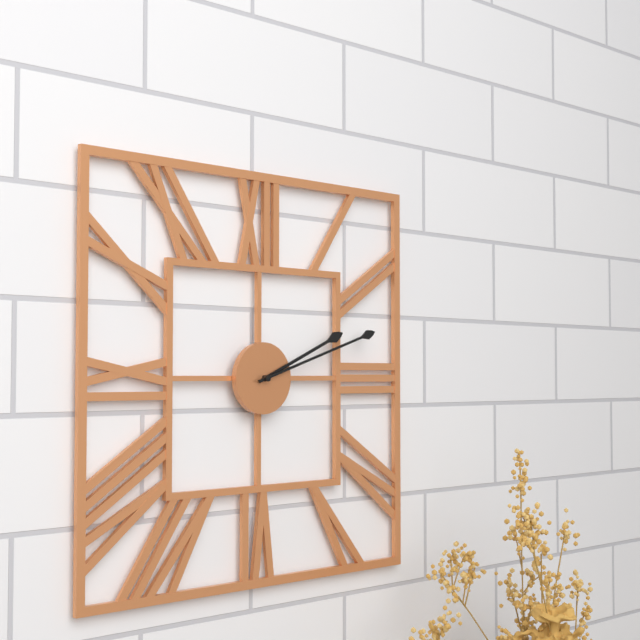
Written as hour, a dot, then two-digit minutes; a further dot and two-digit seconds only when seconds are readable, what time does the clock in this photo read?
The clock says 2.12
